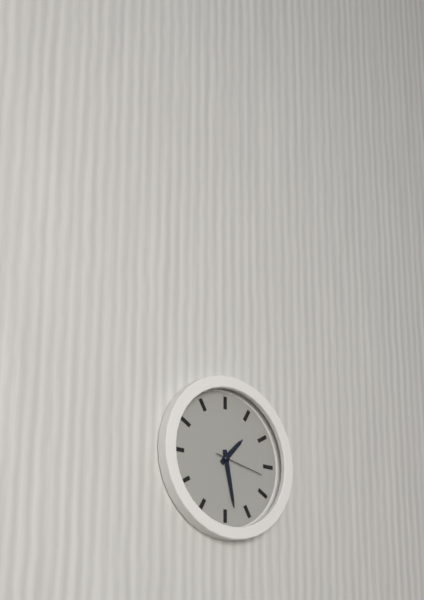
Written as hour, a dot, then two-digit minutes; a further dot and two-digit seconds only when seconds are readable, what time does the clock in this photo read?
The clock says 1.28.17
